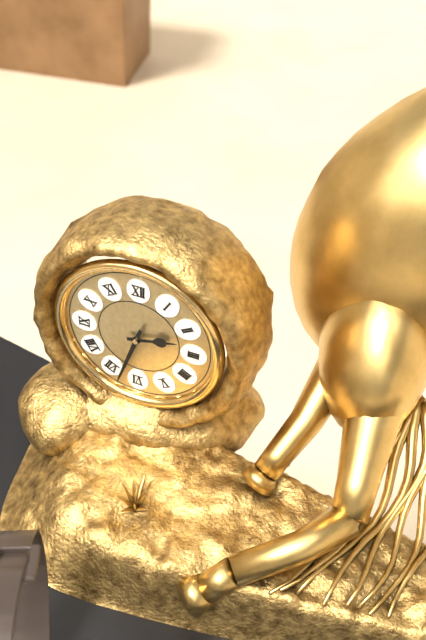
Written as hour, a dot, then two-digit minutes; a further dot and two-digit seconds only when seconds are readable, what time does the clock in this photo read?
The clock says 2.33
